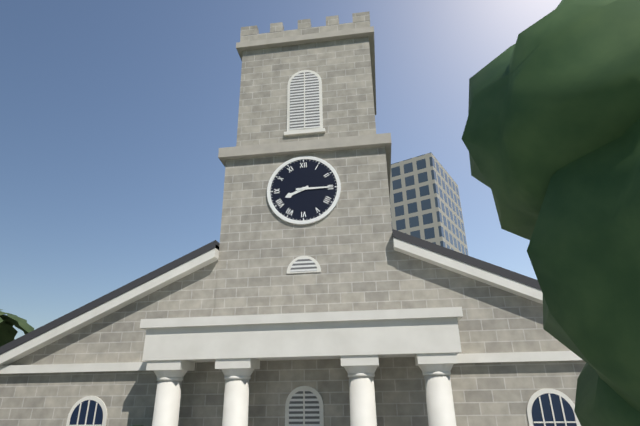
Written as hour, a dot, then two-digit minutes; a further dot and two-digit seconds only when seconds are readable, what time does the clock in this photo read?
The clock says 8.15
